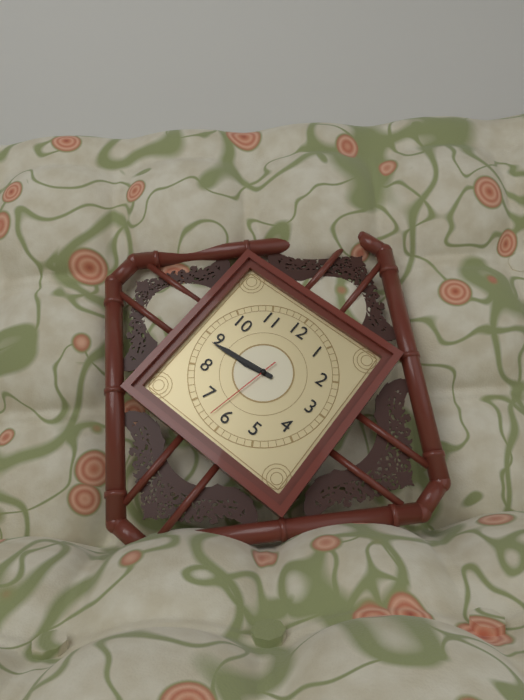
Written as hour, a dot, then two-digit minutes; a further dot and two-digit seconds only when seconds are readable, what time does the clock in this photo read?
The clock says 8.44.32
